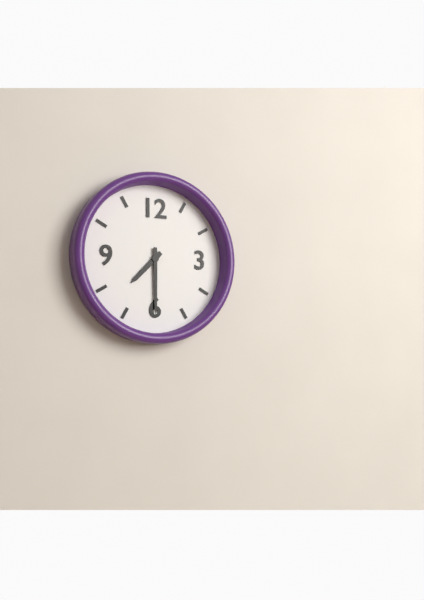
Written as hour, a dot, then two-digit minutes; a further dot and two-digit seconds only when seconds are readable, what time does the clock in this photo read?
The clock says 7.30
